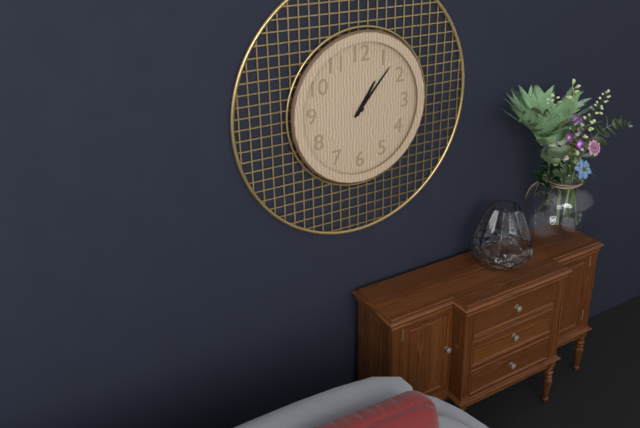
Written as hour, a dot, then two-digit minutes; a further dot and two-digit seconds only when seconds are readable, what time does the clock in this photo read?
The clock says 1.07
